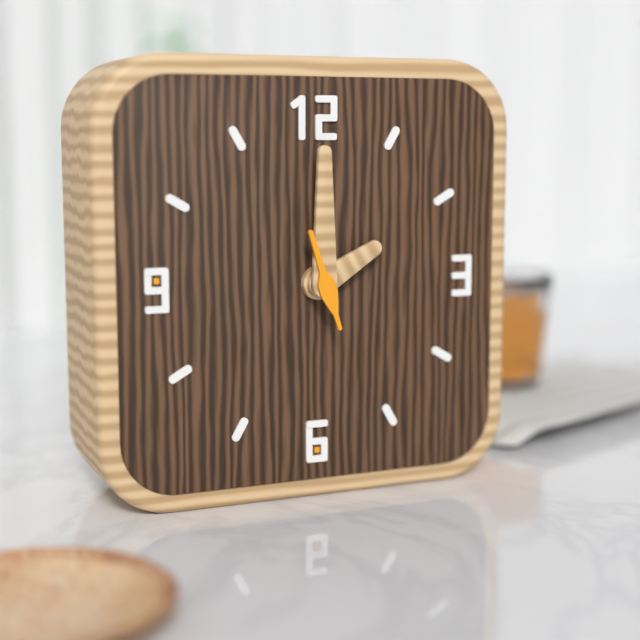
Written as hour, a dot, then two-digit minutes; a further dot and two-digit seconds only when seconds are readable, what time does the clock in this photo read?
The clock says 2.00.57
